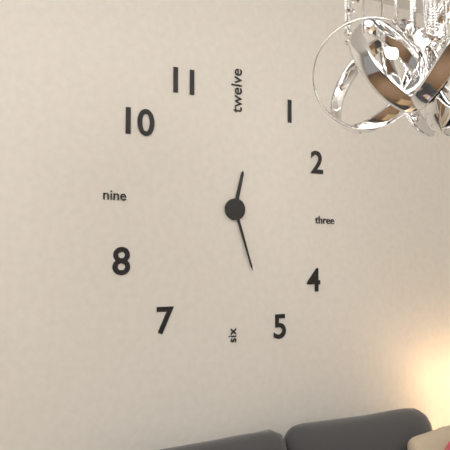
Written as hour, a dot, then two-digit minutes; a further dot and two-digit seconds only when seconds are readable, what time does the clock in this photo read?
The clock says 12.27
